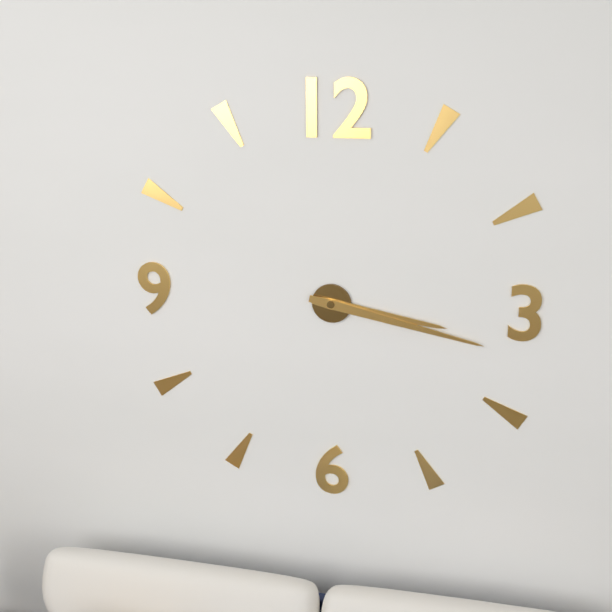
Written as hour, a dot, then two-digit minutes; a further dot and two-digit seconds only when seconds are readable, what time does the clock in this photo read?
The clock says 3.17
